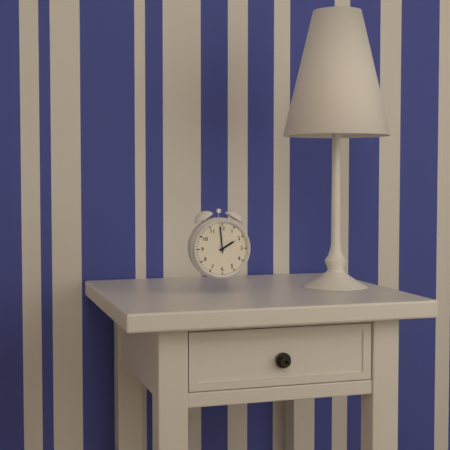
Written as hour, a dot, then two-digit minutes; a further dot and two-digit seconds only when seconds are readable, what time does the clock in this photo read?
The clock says 1.59
